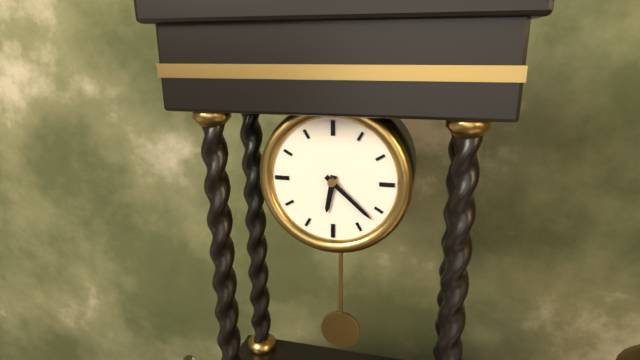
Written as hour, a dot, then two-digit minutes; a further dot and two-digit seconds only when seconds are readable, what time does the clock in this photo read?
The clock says 6.22
